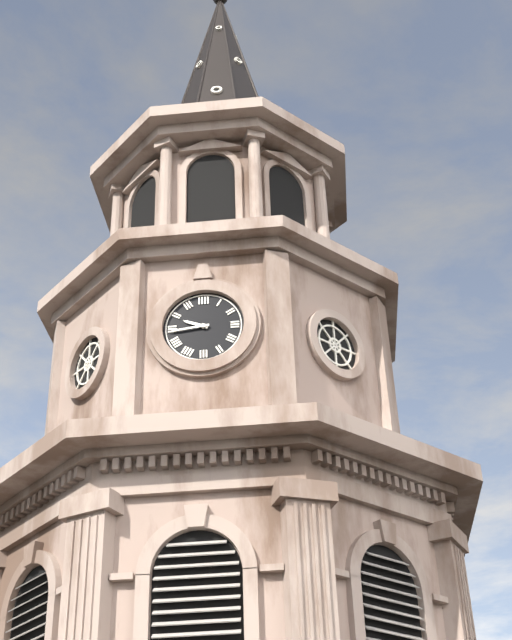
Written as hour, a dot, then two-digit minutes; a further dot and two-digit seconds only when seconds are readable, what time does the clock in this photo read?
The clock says 9.44
